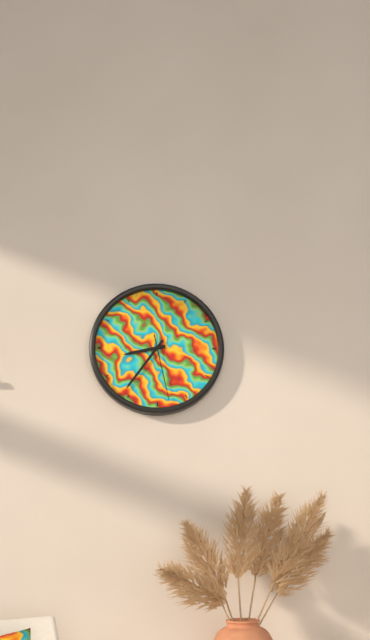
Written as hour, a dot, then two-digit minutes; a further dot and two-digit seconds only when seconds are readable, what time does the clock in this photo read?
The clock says 8.36.28
